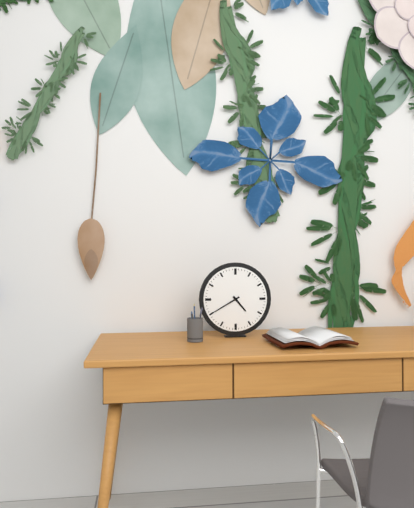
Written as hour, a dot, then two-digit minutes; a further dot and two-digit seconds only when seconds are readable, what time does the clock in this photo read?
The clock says 4.40
